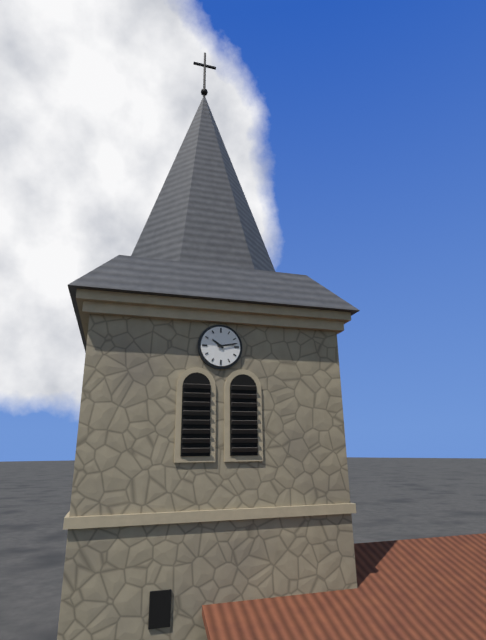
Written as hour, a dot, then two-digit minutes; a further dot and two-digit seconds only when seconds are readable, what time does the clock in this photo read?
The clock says 10.13
